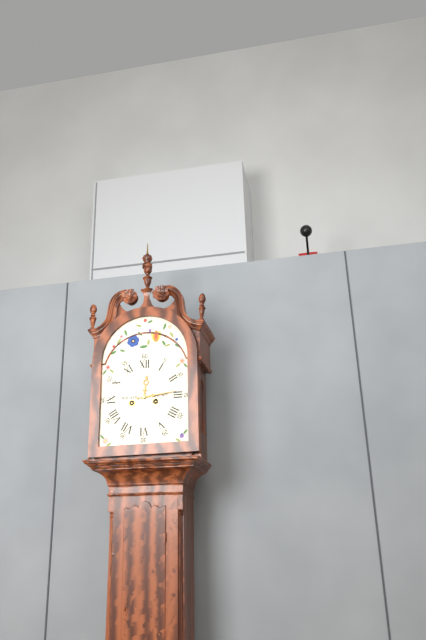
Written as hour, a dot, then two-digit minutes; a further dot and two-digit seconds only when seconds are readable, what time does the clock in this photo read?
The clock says 12.14
